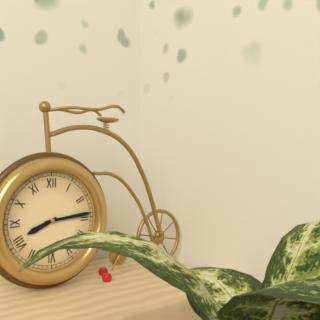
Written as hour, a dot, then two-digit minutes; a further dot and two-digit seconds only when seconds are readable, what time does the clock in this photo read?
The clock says 8.14
